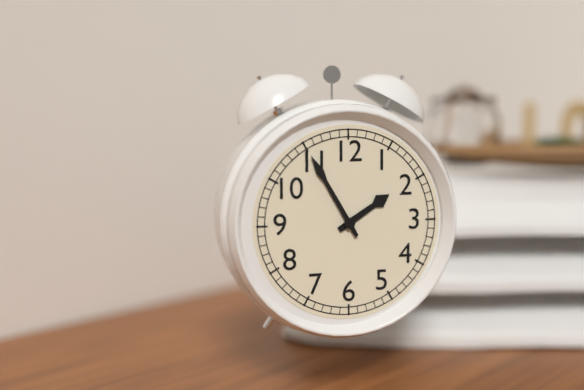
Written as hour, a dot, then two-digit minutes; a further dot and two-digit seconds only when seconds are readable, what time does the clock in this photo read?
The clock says 1.55
